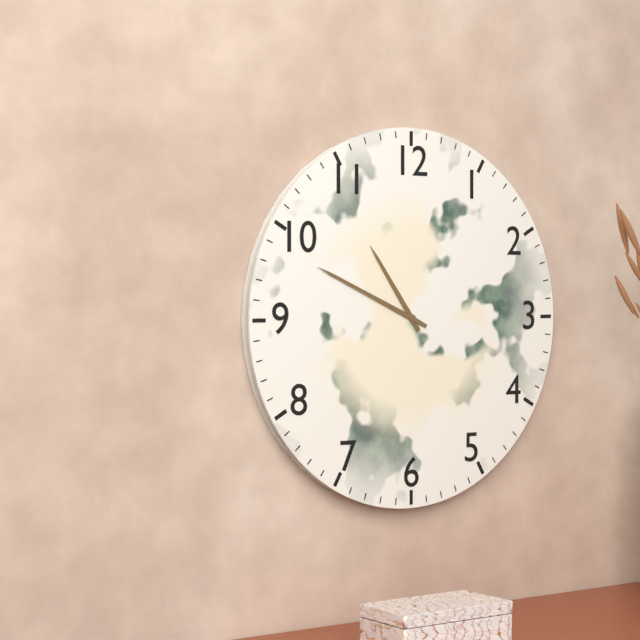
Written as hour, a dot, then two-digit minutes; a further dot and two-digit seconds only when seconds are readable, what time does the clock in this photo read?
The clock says 10.49
